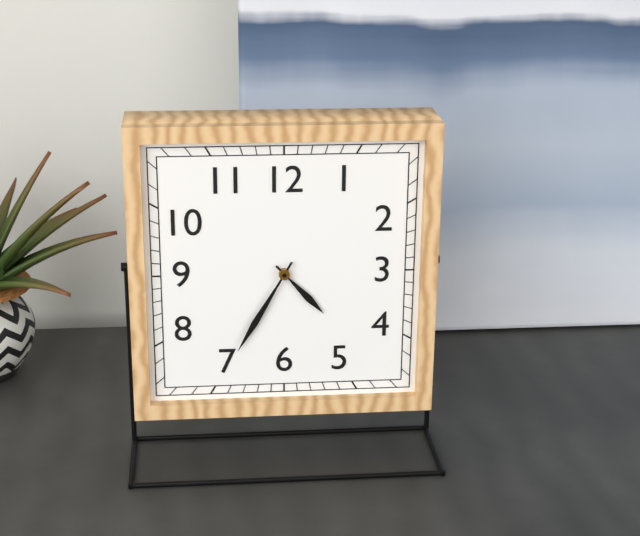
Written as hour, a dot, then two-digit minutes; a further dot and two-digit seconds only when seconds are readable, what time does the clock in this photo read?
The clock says 4.35
